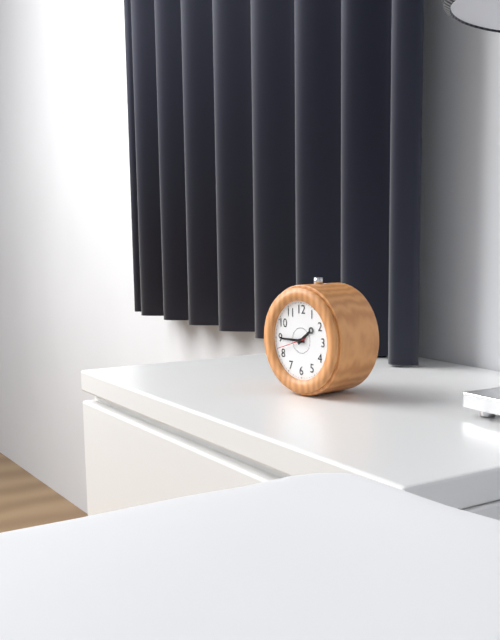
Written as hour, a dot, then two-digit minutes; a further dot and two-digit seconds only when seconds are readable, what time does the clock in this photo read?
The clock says 1.45.42
